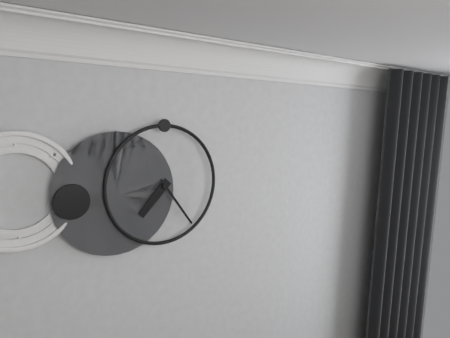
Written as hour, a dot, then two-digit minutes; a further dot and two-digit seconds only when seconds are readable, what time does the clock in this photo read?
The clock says 7.24
